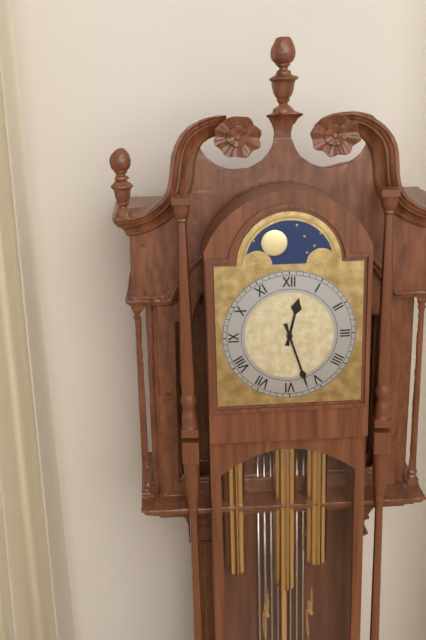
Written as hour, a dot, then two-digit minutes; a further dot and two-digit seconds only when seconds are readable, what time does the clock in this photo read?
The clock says 12.27
